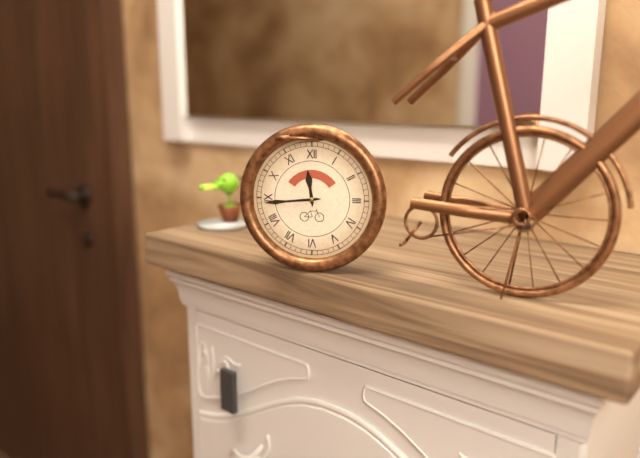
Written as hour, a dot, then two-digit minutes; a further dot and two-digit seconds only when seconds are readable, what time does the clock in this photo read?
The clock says 11.44
